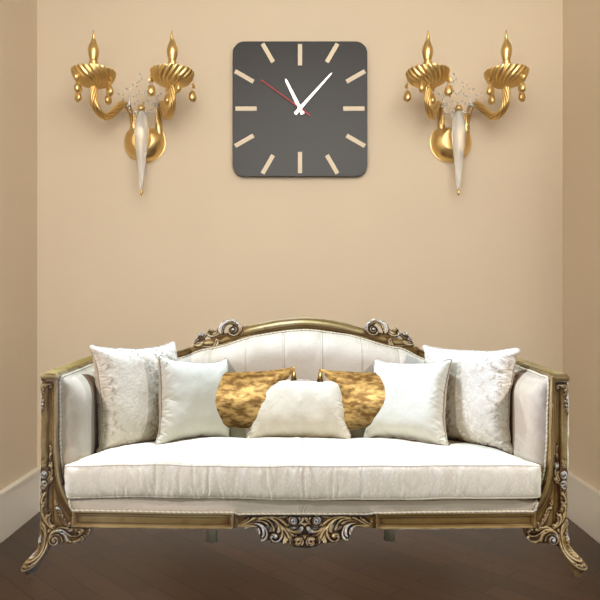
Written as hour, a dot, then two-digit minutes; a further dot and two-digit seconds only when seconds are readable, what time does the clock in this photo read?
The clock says 11.07.51
